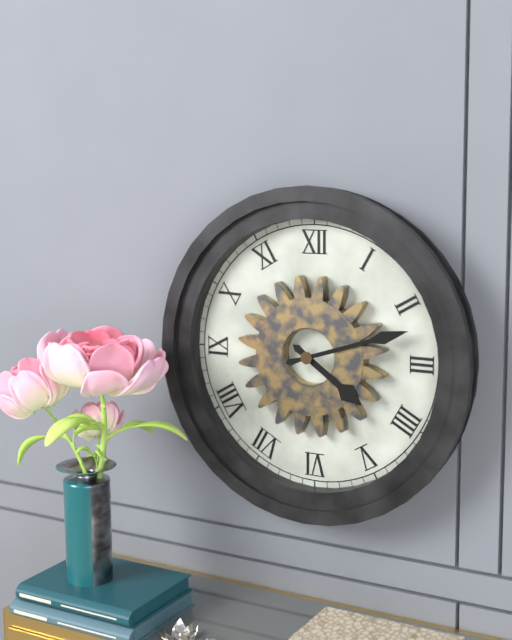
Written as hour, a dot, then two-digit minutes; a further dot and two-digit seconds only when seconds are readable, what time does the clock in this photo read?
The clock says 4.12
